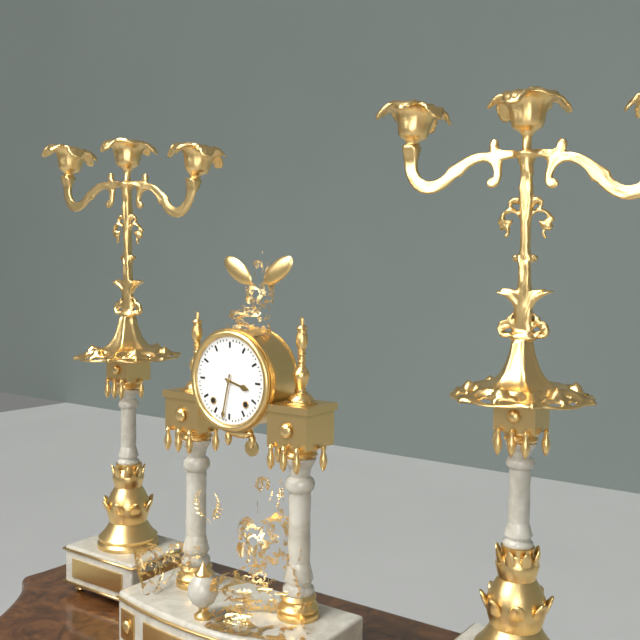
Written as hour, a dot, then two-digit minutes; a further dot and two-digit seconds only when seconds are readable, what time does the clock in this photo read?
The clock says 3.32
